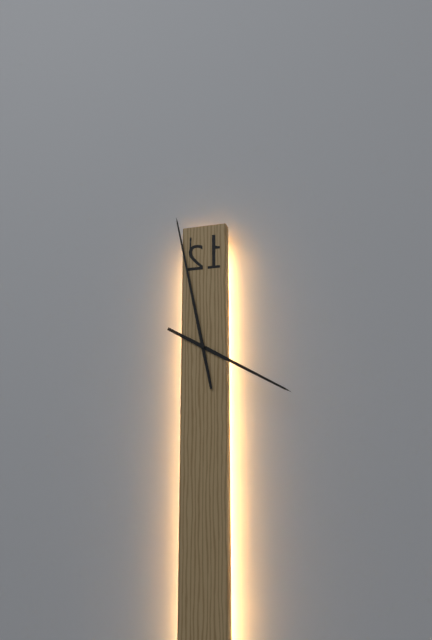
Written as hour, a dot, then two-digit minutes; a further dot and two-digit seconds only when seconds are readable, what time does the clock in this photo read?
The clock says 3.58
